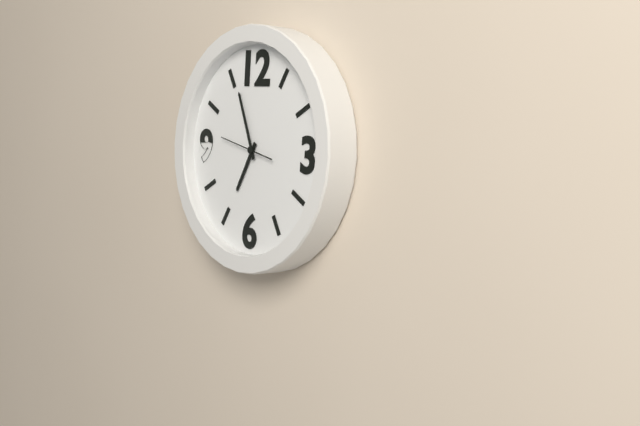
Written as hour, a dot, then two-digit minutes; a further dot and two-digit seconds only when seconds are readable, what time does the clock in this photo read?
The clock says 6.56
